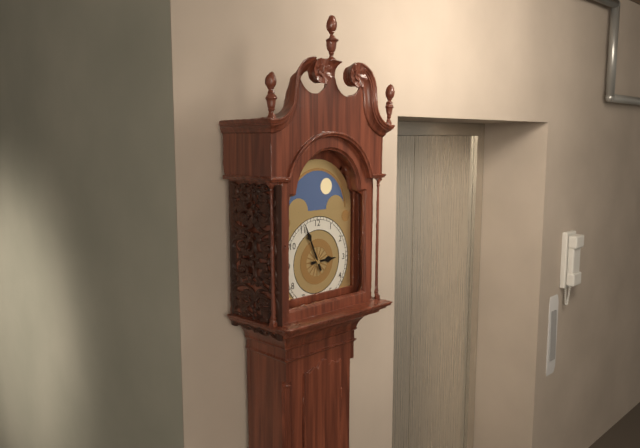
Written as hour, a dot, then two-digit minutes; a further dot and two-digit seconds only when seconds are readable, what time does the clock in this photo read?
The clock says 2.56
